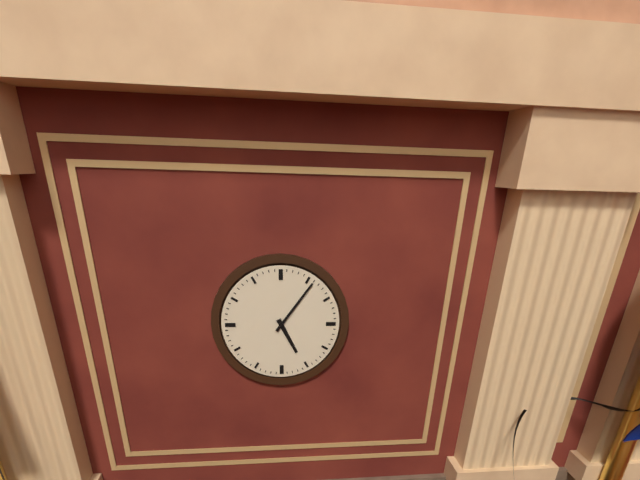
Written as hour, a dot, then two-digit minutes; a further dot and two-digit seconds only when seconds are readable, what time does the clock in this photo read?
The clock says 5.06
